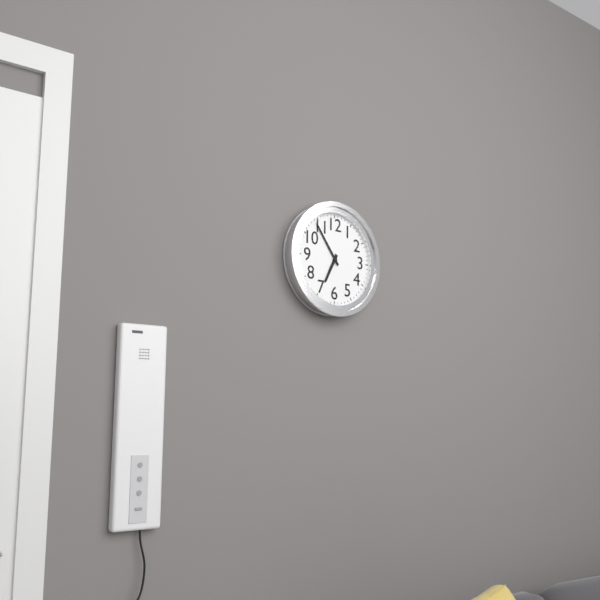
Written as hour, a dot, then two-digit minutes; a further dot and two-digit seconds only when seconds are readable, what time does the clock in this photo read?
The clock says 6.54
